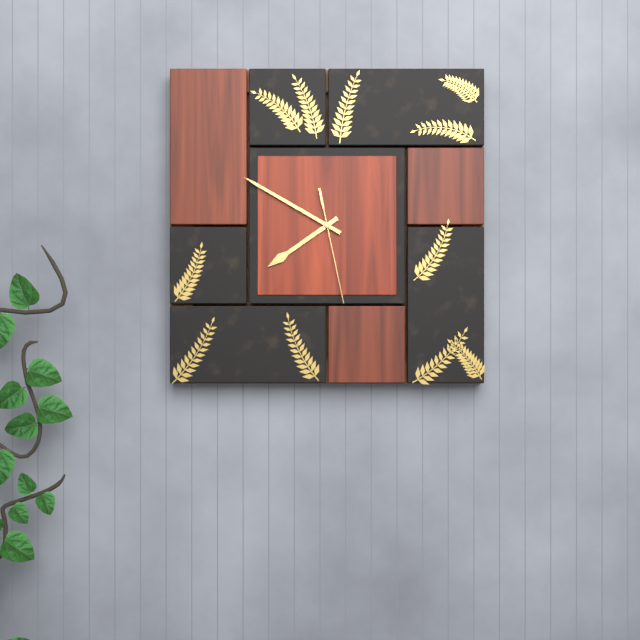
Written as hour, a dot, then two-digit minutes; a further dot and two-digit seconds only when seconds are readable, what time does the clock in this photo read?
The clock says 7.50.28
